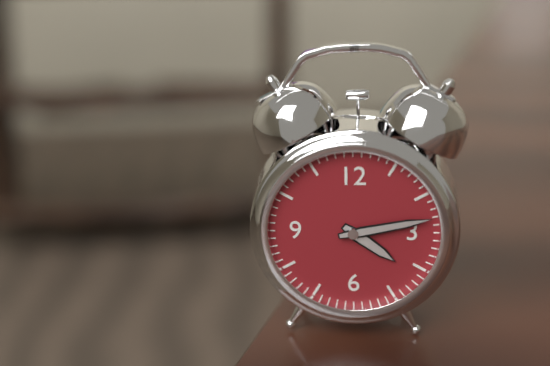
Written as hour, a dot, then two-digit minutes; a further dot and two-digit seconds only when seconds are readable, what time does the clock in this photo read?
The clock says 4.13
